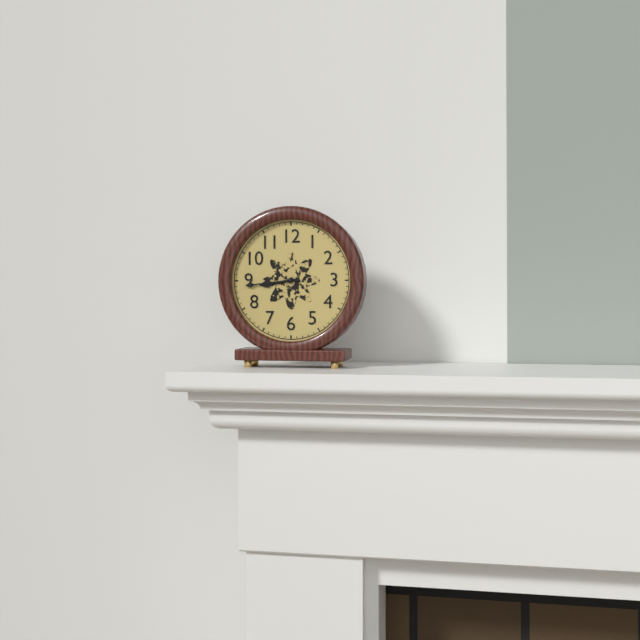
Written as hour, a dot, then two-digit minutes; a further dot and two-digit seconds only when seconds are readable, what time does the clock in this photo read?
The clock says 8.44
